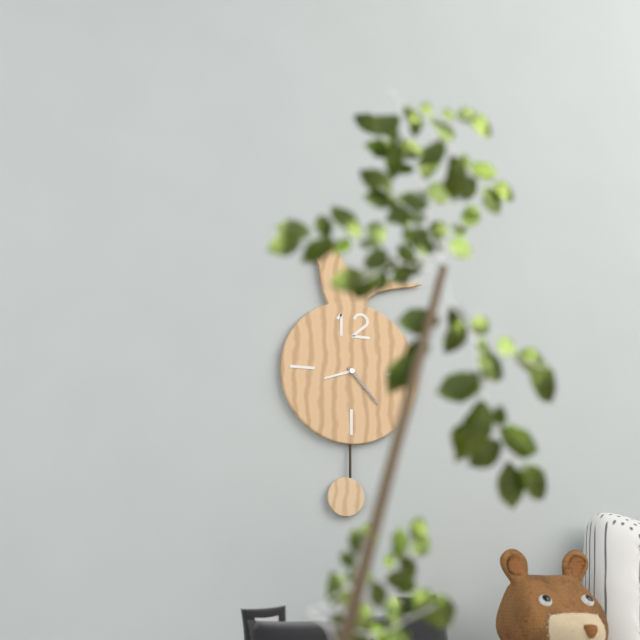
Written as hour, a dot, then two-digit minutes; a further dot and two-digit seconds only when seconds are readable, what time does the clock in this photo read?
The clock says 8.23
